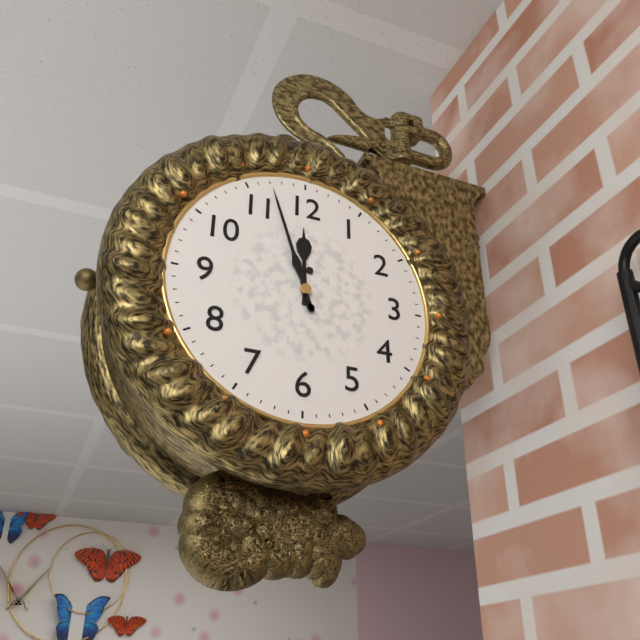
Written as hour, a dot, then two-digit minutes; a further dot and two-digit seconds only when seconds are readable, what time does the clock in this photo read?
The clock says 11.57
